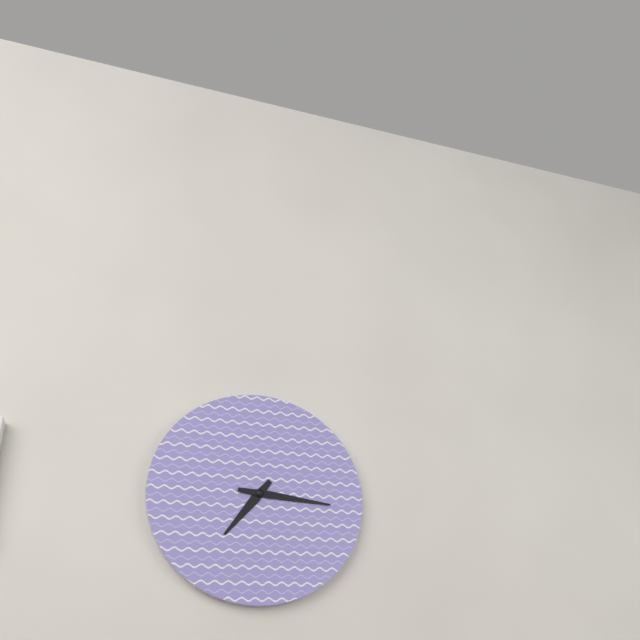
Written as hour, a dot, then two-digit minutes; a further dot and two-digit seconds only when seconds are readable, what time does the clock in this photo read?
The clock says 7.16
